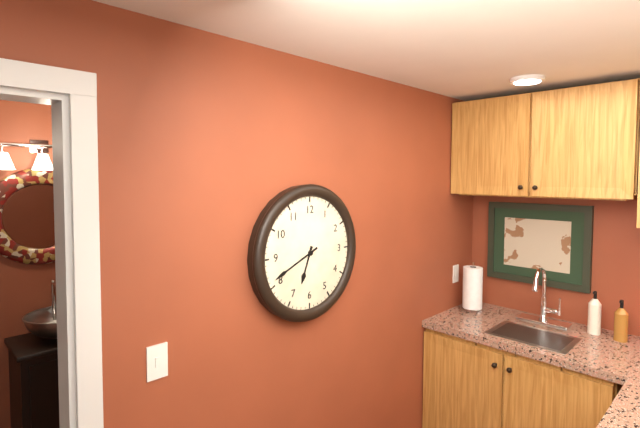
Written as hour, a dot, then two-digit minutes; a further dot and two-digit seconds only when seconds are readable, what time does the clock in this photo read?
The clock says 6.41
